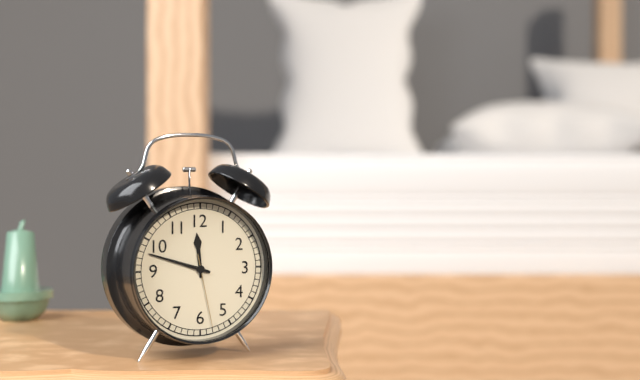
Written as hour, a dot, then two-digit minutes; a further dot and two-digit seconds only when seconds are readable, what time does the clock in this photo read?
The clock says 11.48.28
